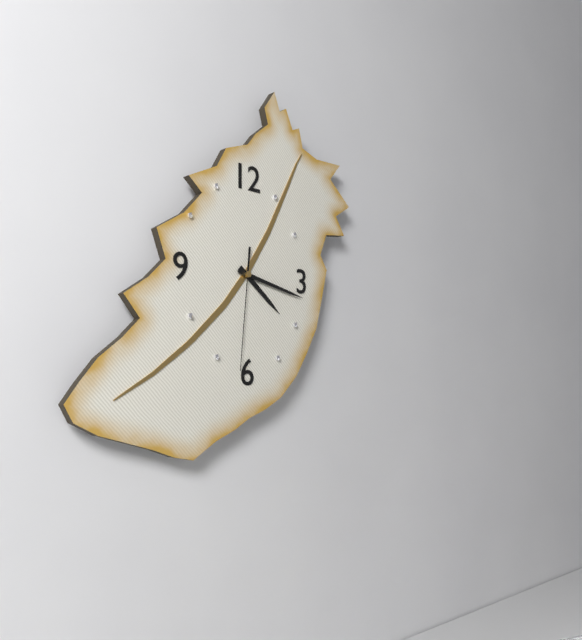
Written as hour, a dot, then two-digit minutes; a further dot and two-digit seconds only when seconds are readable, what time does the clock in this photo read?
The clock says 4.17.31
